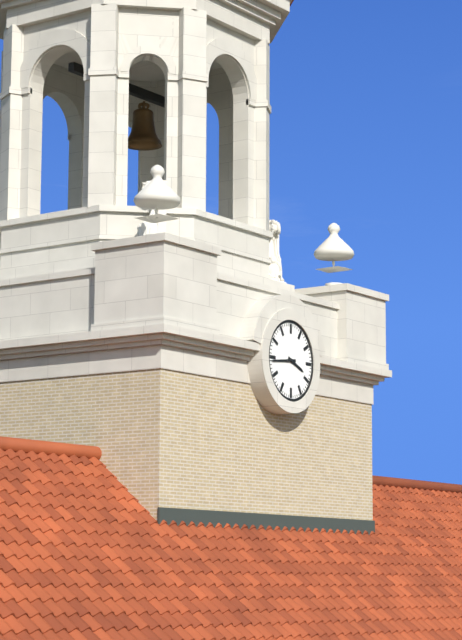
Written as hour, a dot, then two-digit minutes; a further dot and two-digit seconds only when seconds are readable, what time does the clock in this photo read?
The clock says 3.44
